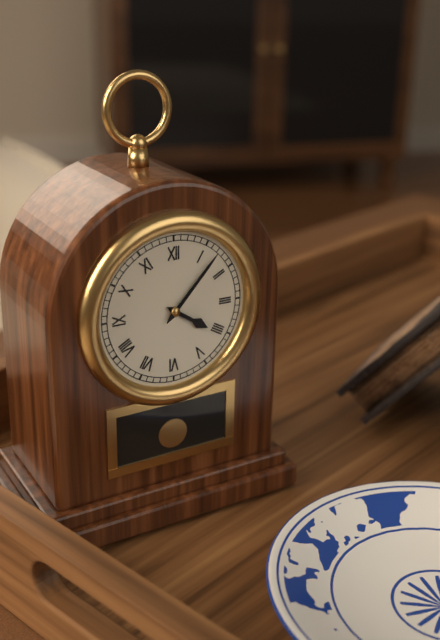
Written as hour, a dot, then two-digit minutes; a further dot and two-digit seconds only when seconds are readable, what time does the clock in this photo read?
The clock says 4.07
